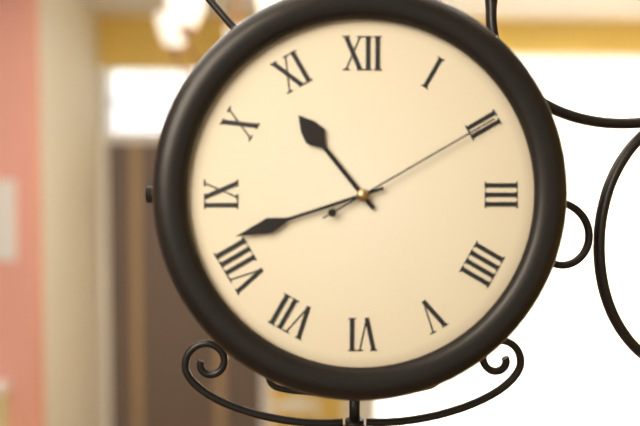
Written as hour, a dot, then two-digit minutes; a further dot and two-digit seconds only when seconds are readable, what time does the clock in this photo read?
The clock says 10.42.10
